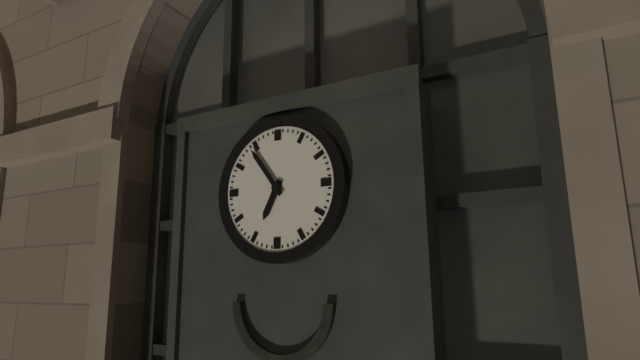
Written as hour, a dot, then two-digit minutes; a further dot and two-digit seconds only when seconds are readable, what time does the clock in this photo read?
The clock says 6.54
